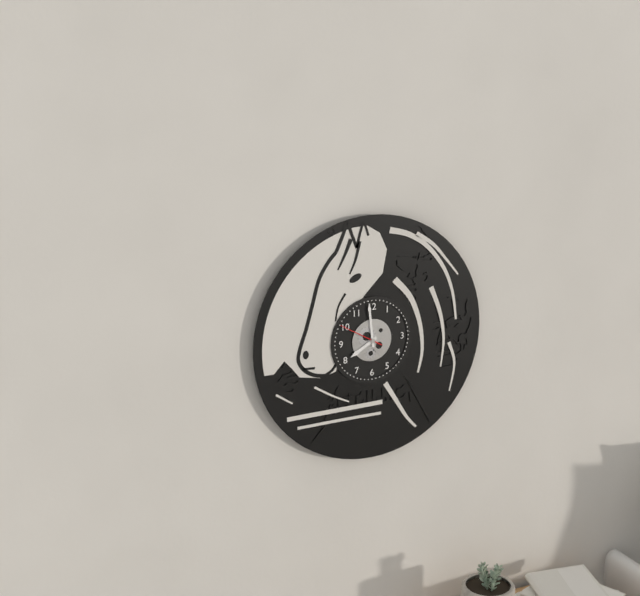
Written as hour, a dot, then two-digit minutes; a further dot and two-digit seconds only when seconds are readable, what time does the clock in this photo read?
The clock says 7.59
